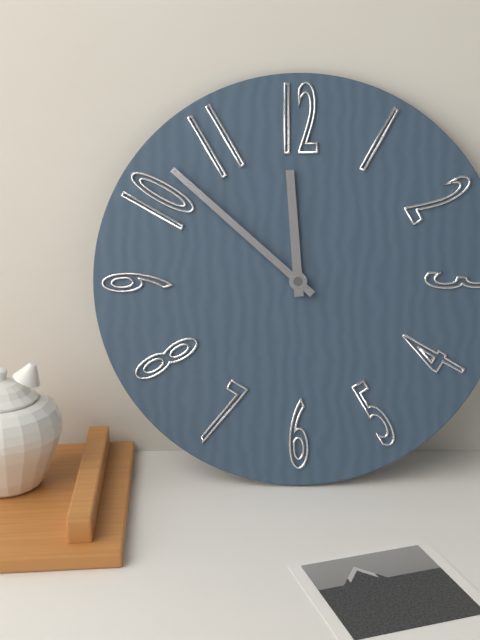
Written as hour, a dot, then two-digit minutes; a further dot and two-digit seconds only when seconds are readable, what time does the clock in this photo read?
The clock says 11.52
